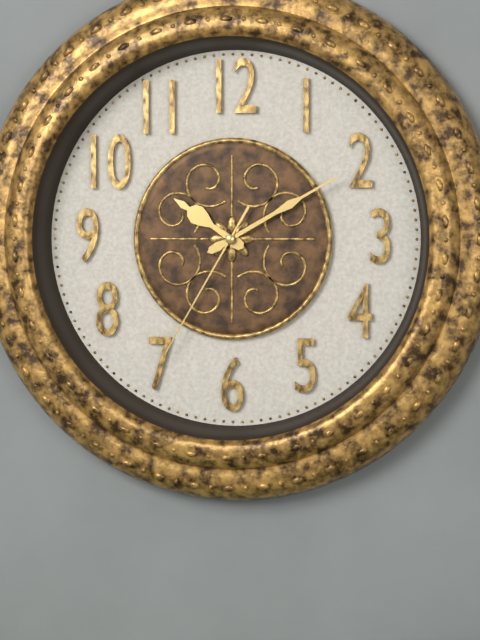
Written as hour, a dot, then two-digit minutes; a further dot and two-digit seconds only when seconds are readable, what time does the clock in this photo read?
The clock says 10.10.35
